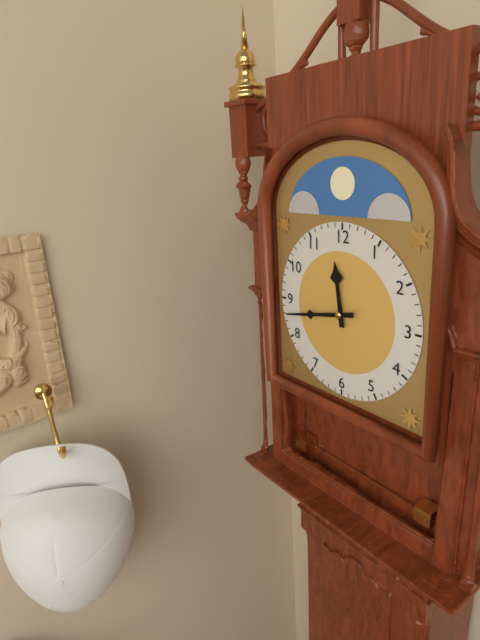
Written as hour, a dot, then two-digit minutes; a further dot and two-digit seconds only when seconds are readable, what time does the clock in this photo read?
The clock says 11.43
